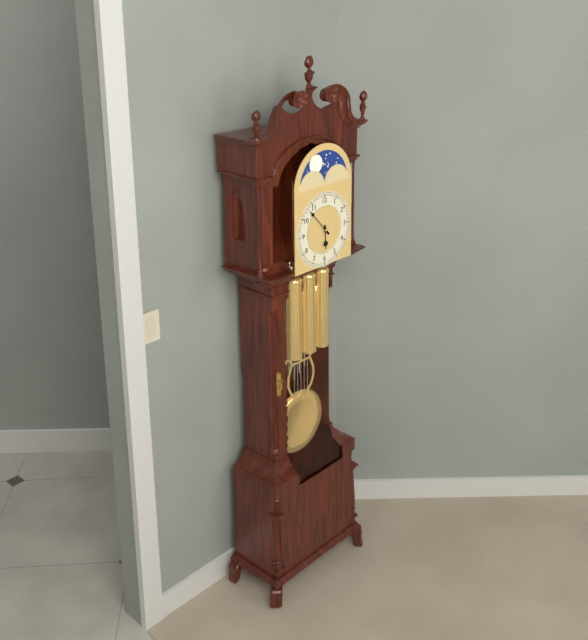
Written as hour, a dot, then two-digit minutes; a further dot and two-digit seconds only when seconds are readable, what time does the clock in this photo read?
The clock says 5.53
